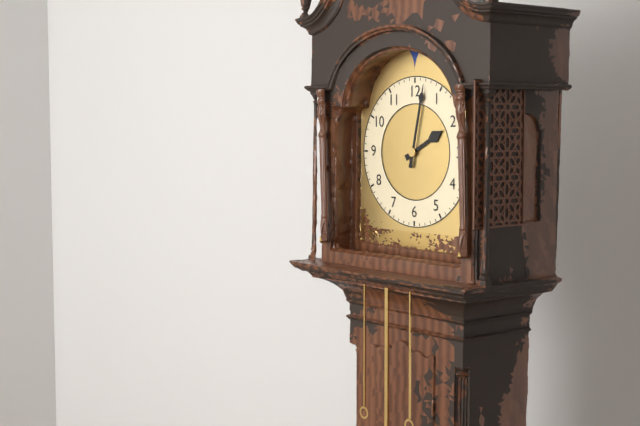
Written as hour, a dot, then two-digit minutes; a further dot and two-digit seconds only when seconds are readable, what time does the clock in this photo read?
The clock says 2.02
